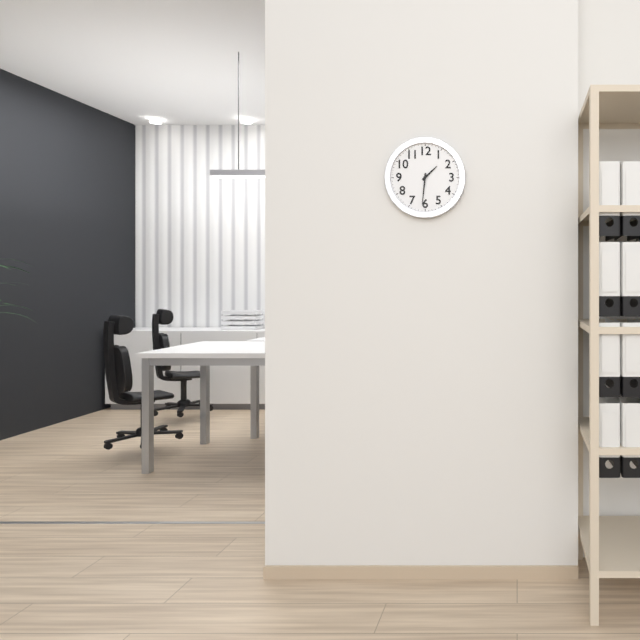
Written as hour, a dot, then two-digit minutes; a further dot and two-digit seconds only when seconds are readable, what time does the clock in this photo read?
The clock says 1.31
